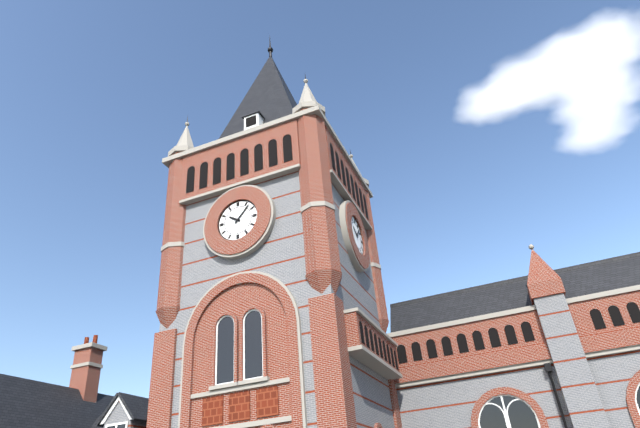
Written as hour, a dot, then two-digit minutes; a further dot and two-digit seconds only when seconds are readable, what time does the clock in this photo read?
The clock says 10.07
